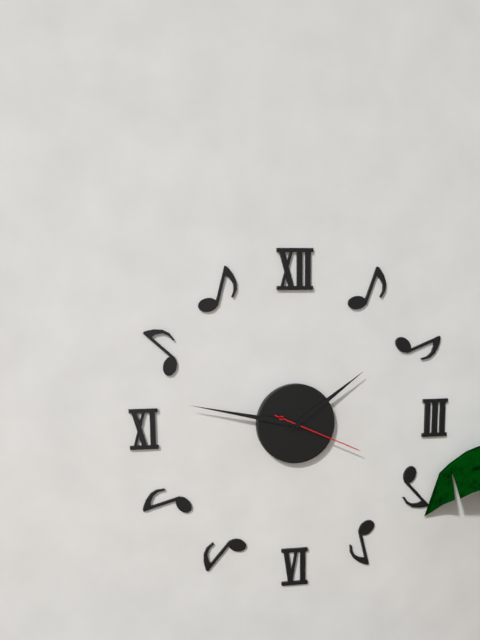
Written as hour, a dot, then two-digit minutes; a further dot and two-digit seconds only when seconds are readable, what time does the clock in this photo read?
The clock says 1.47.19
